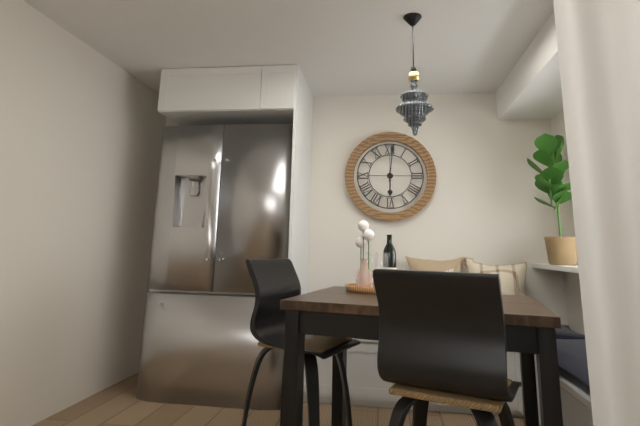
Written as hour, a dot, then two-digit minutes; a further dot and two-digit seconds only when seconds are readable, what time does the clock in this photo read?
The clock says 6.01
